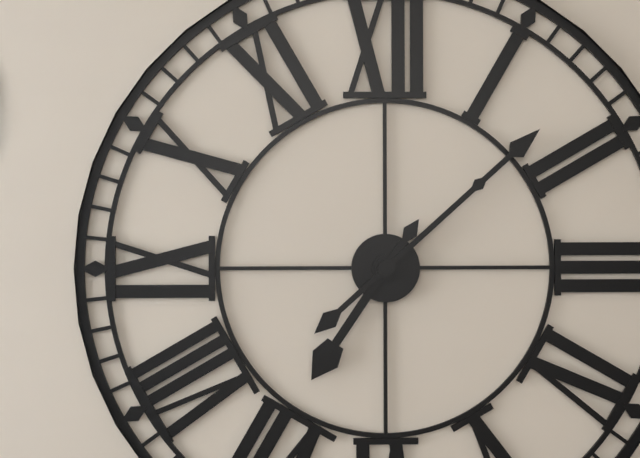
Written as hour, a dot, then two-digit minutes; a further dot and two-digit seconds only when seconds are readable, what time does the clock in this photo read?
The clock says 7.08
